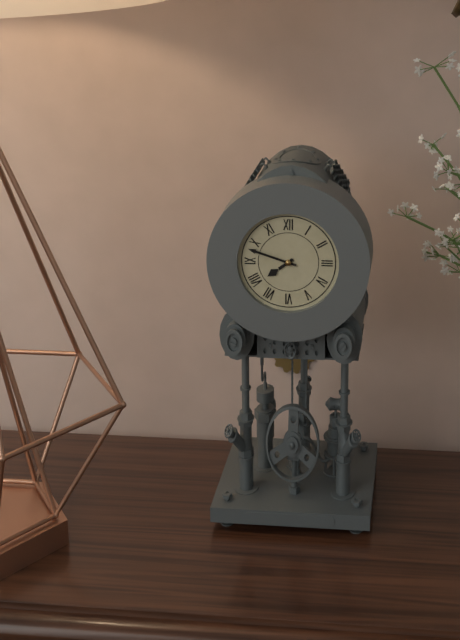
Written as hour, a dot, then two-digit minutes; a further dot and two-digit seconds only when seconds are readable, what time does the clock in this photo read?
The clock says 7.48
